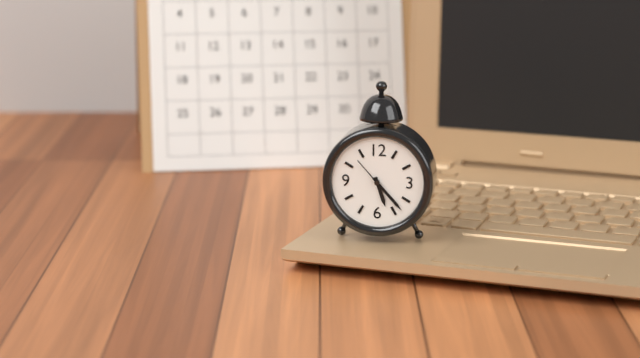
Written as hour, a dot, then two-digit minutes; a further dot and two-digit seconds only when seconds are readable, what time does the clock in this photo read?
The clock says 5.23
